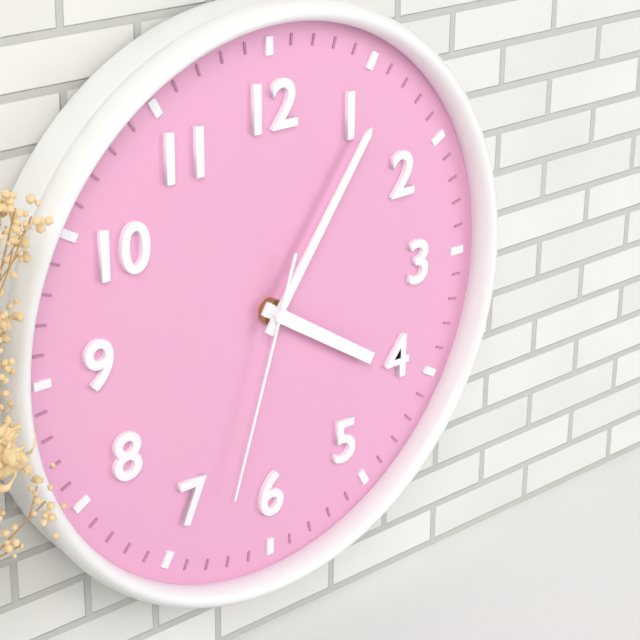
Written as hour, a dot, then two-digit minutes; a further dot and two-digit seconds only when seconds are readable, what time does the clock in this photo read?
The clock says 4.06.33
